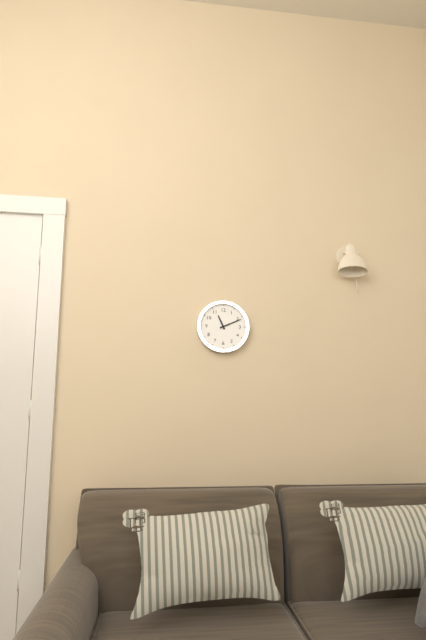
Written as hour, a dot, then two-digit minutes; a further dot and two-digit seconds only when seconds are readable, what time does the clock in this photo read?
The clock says 11.11
